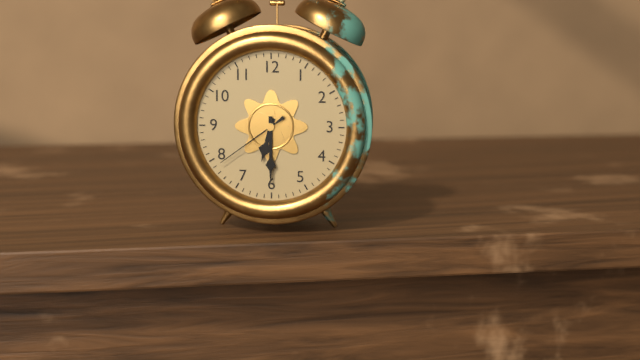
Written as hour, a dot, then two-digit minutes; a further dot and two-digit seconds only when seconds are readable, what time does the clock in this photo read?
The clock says 6.30.39
